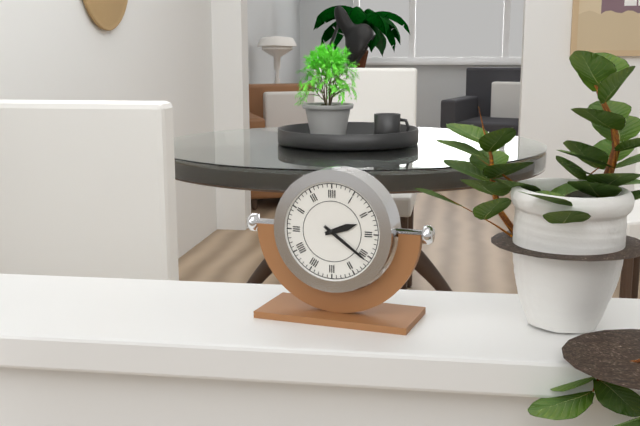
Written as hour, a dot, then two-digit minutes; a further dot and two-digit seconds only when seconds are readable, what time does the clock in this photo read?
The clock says 2.21
